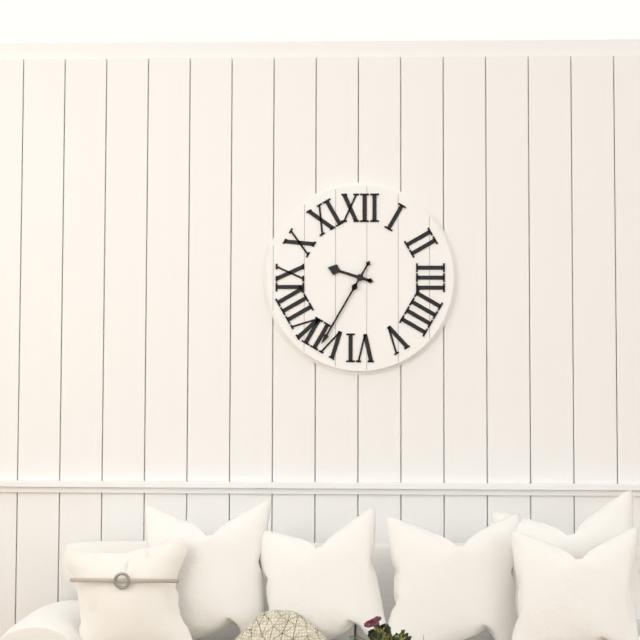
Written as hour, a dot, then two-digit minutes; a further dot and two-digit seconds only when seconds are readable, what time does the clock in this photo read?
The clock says 9.35
